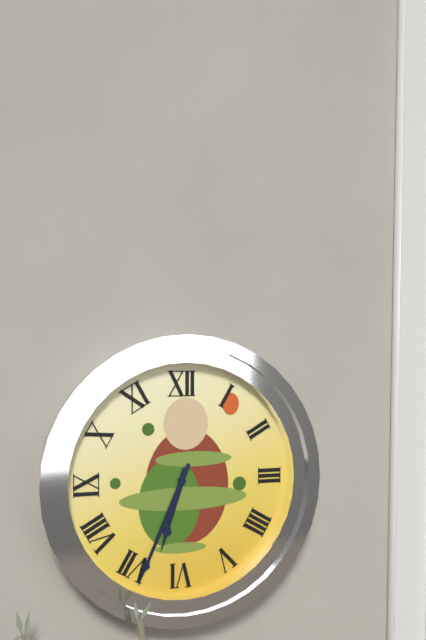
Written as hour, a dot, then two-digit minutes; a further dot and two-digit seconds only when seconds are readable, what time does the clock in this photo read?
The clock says 6.34
